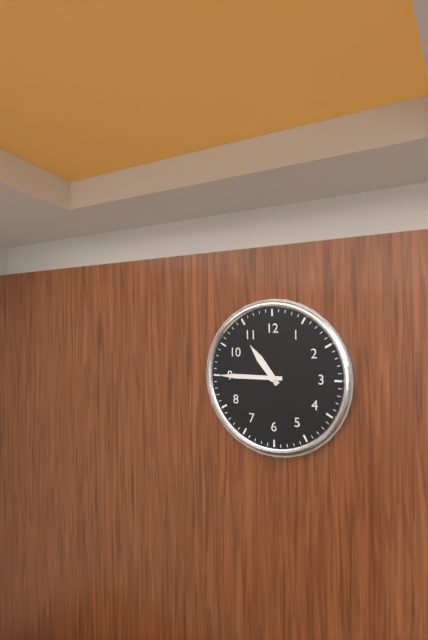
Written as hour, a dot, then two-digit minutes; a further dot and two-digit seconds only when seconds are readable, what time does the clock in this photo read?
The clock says 10.45
